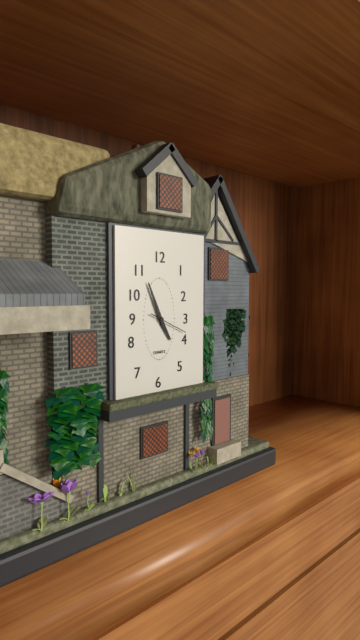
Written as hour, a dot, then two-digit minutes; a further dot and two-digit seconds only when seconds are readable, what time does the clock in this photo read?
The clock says 4.56
